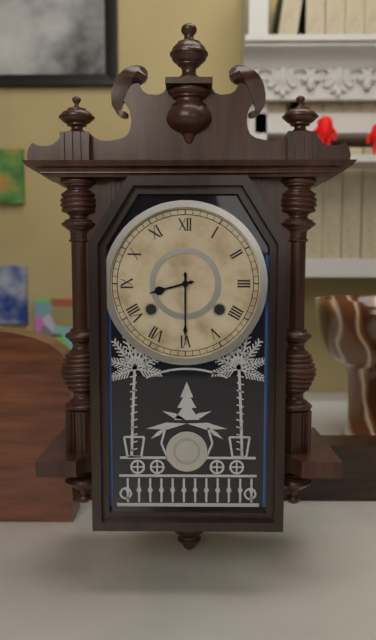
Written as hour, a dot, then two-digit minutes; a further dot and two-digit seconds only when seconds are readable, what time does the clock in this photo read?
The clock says 8.30
